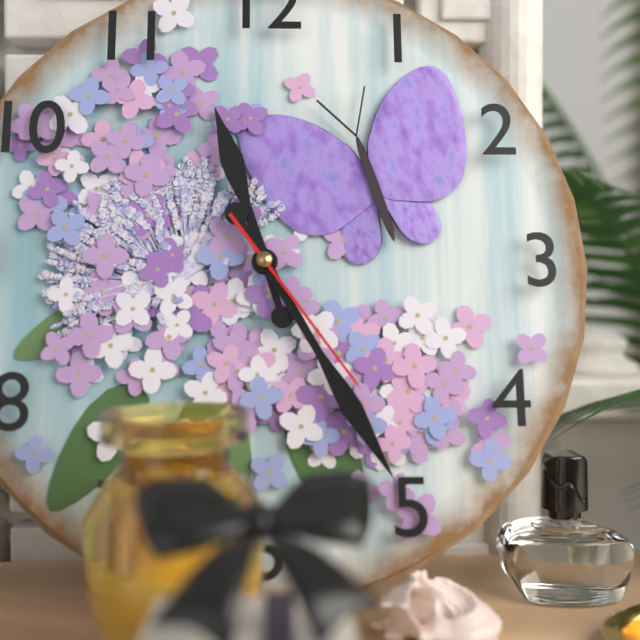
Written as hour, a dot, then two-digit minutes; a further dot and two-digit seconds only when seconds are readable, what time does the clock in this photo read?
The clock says 11.25.24
